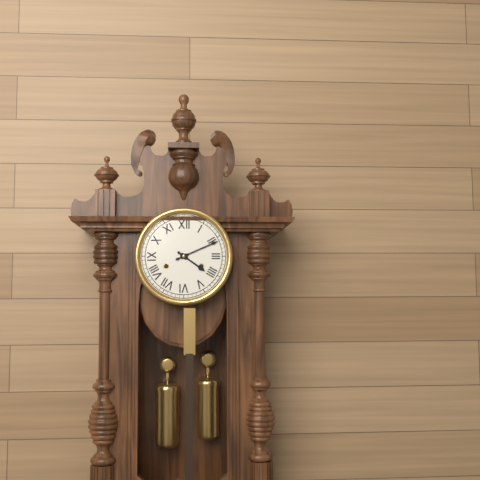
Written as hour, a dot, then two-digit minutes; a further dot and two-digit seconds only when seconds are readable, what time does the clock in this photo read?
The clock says 4.11
